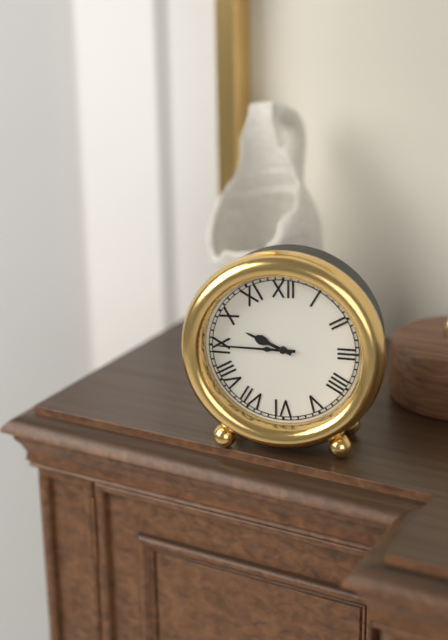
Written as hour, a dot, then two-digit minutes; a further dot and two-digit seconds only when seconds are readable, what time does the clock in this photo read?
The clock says 9.45
